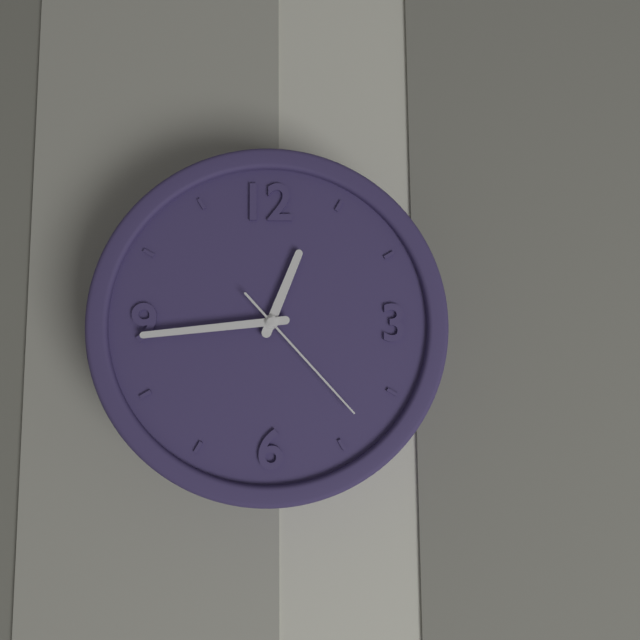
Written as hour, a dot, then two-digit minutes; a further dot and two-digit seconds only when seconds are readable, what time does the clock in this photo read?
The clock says 12.44.23
